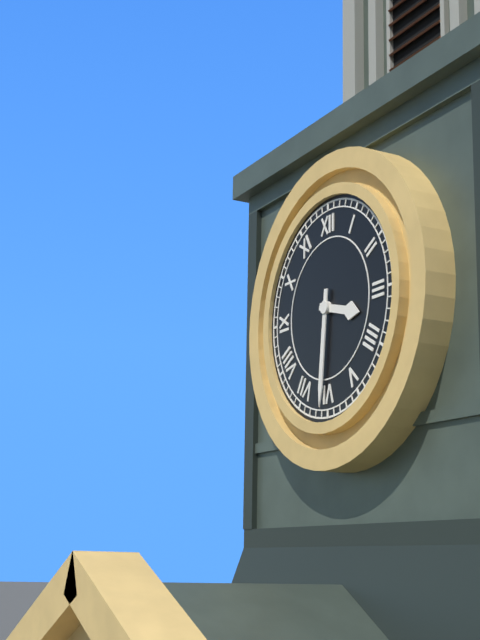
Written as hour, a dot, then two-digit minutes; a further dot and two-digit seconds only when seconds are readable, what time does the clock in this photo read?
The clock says 3.31
